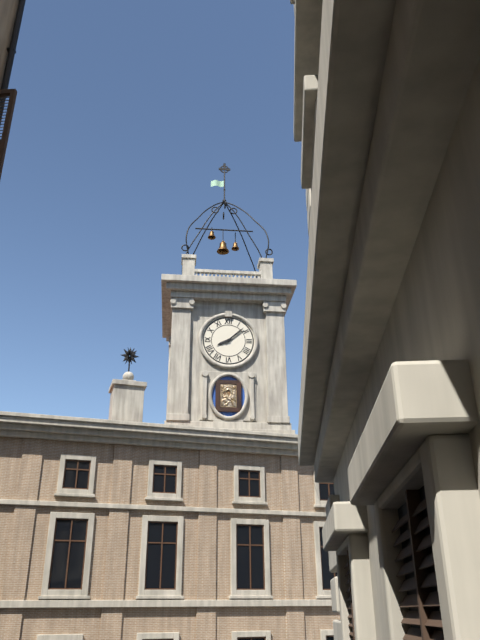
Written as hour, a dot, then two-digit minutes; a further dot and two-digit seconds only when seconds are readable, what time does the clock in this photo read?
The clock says 8.08
